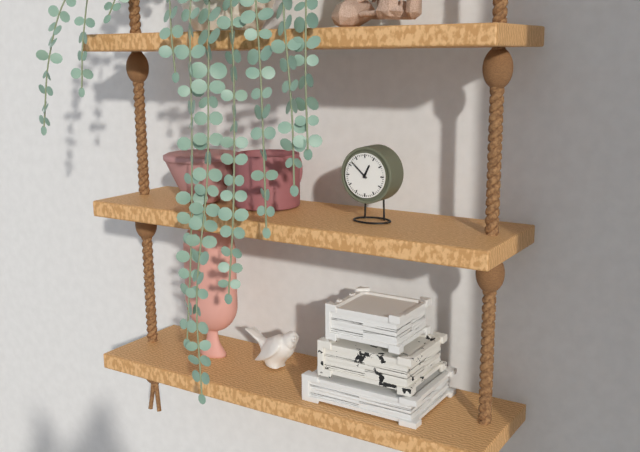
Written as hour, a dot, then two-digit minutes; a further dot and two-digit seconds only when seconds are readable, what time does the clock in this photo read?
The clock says 12.52
